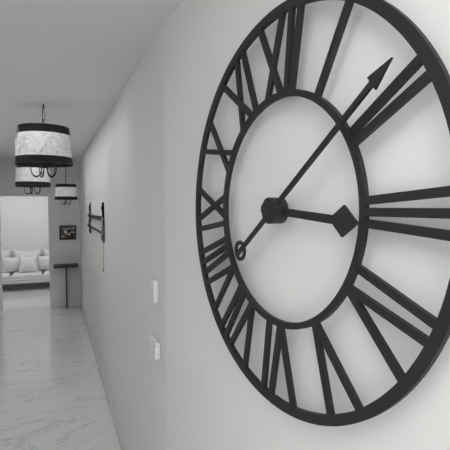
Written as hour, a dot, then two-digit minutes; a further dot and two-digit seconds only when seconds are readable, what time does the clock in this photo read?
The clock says 3.09
